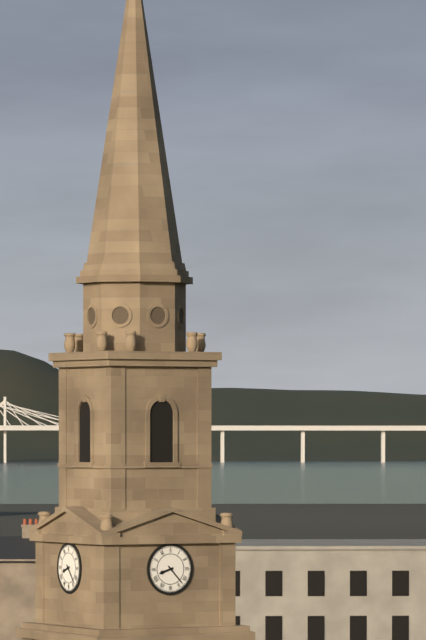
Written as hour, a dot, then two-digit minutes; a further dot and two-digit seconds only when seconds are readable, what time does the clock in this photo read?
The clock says 8.23
